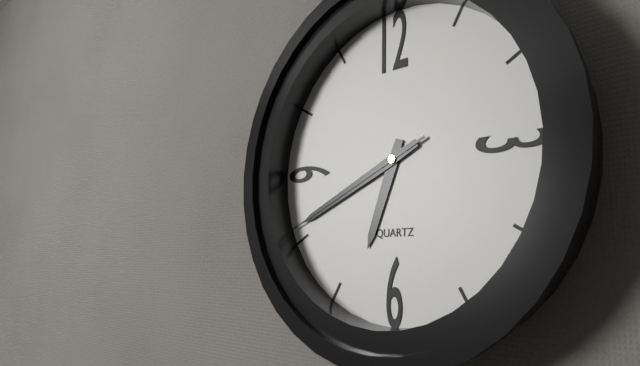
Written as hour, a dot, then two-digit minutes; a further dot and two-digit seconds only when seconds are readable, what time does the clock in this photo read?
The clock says 6.41.41
